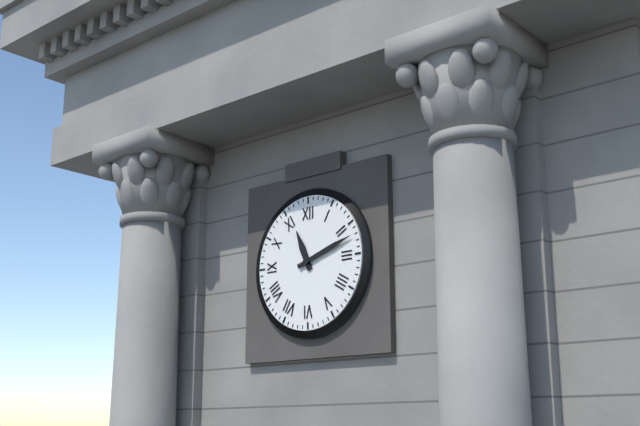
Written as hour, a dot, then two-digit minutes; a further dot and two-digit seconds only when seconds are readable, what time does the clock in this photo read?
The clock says 11.12
